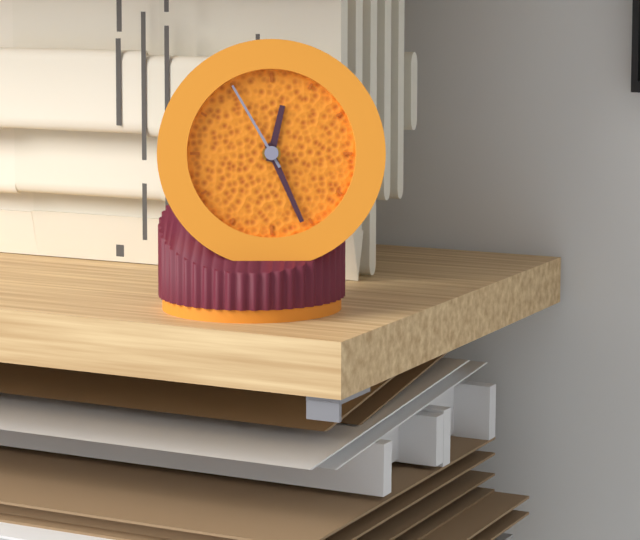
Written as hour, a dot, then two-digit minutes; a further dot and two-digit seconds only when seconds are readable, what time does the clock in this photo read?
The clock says 12.26.55
